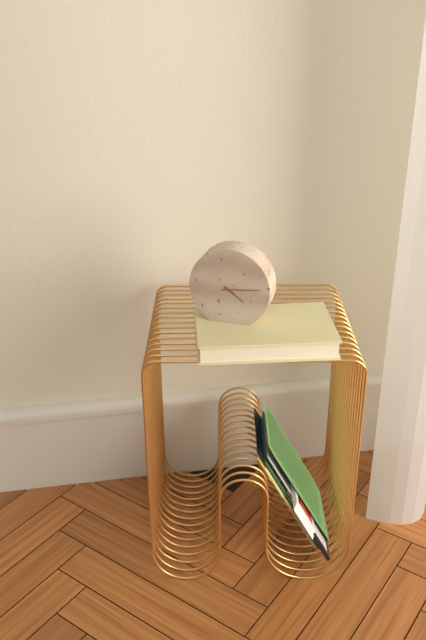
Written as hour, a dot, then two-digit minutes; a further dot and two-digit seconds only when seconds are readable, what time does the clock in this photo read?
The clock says 4.14
